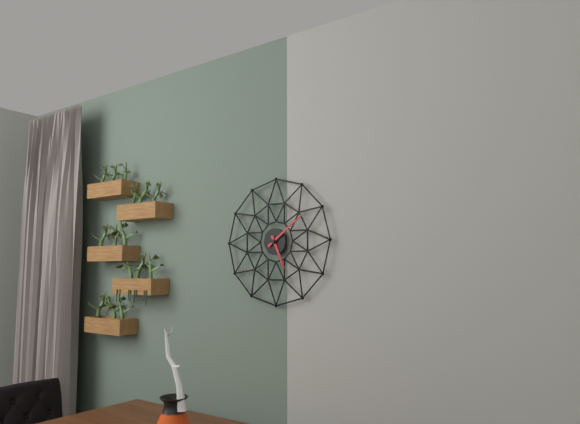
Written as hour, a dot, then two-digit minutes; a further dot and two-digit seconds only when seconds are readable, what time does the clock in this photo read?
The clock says 5.09
